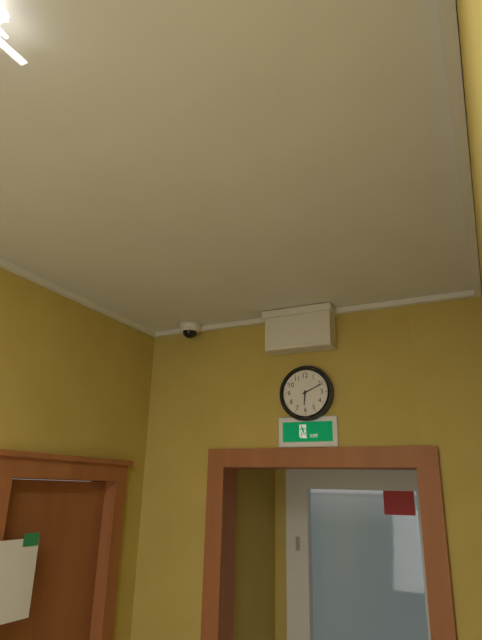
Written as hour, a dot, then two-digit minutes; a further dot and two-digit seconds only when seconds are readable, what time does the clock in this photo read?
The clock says 6.11
